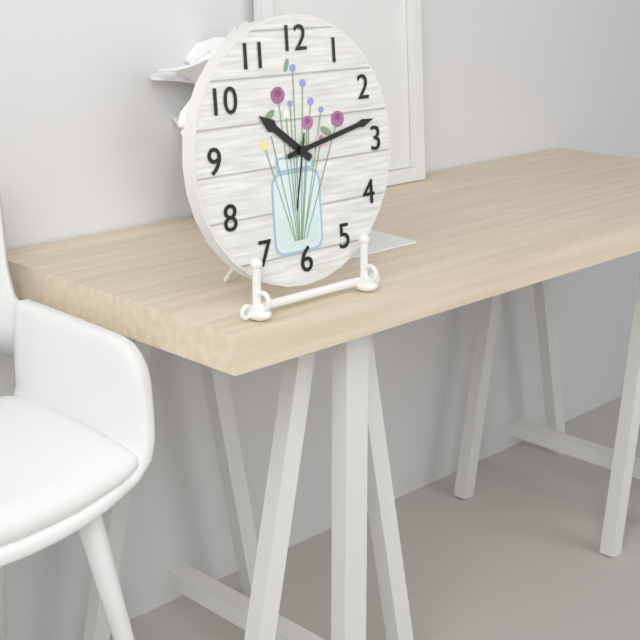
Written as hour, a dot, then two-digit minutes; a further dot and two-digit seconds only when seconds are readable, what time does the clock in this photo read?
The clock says 10.13.32
